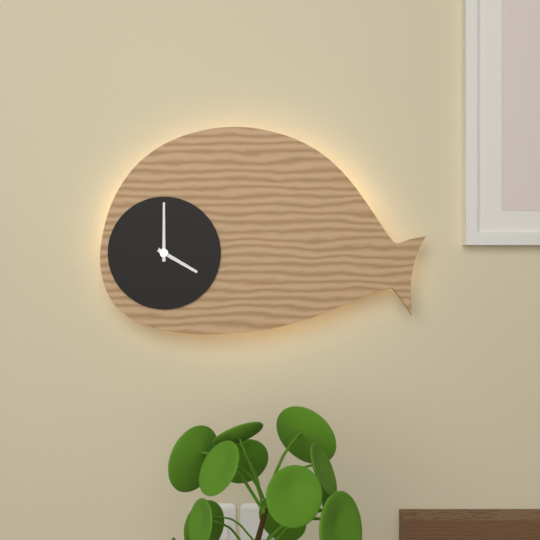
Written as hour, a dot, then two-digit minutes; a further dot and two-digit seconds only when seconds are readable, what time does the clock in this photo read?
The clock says 4.00
